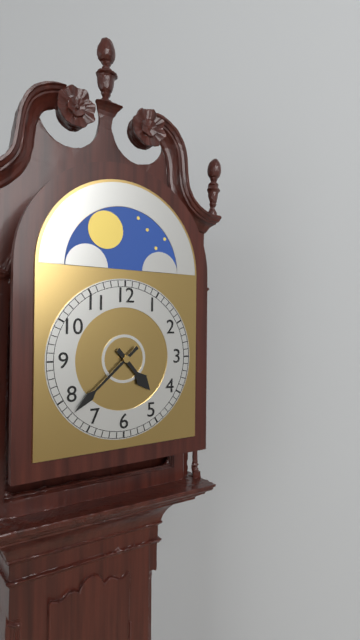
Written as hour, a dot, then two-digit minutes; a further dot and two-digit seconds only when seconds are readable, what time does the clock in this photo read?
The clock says 4.38
